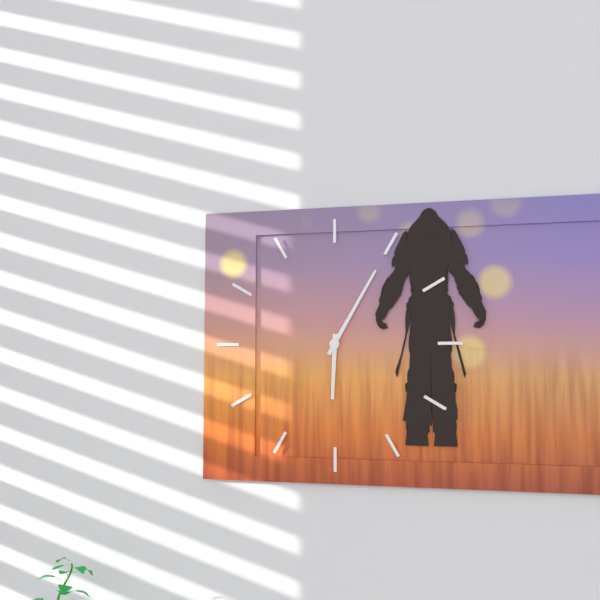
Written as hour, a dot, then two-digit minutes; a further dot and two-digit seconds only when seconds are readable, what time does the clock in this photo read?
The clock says 6.05
